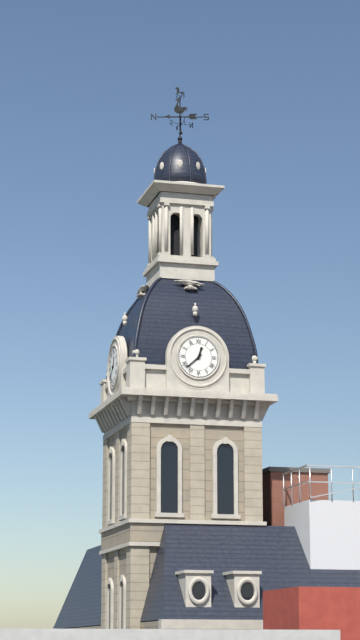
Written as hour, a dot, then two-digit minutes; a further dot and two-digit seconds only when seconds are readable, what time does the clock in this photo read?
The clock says 12.38
